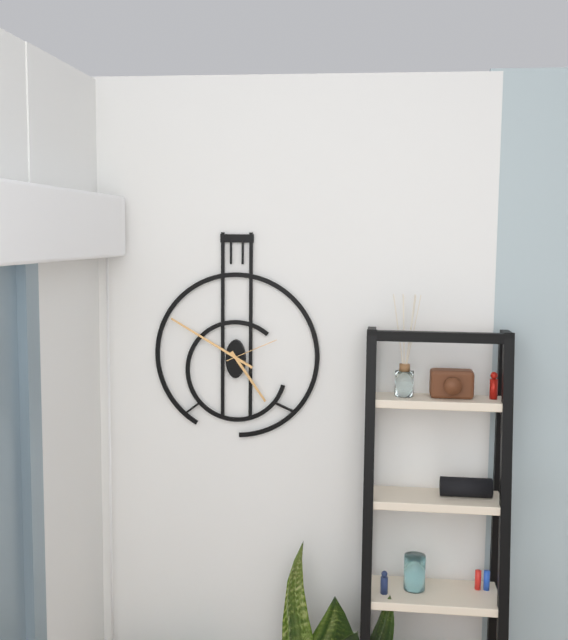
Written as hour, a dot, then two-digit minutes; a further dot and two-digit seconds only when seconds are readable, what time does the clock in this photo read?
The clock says 4.50.11
